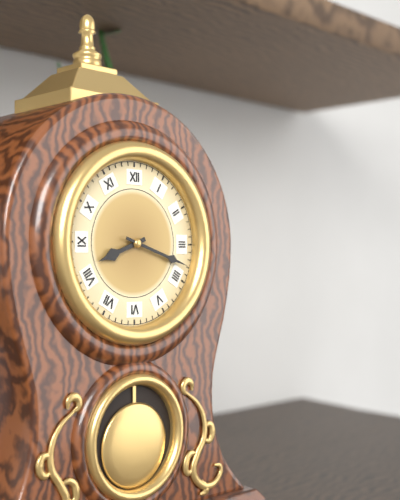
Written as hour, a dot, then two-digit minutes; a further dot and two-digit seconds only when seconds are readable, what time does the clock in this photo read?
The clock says 8.18
